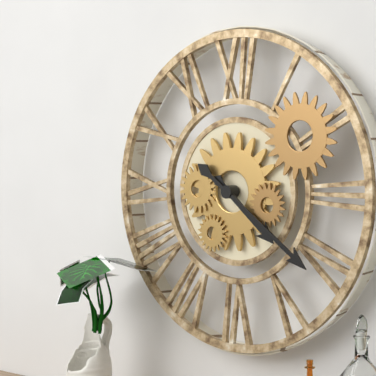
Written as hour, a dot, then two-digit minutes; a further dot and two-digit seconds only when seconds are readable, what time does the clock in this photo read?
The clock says 4.21
